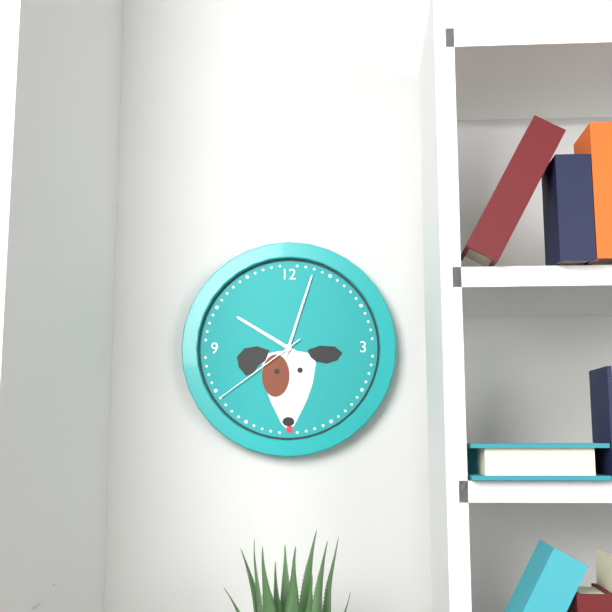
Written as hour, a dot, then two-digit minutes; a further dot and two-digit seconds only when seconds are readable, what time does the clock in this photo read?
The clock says 10.03.39
